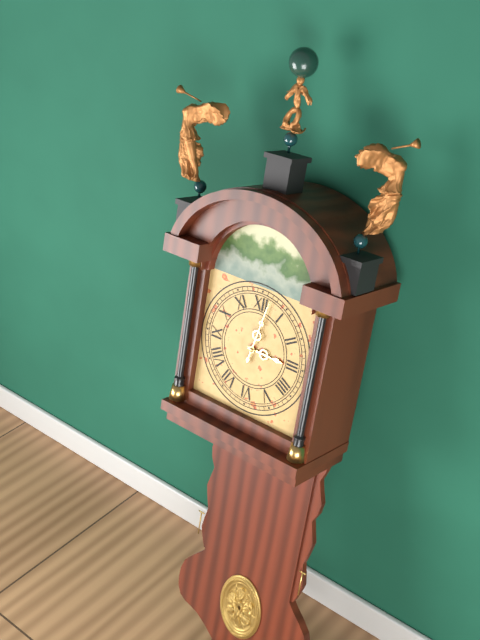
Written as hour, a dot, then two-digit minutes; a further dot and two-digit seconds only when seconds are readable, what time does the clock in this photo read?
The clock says 3.02
